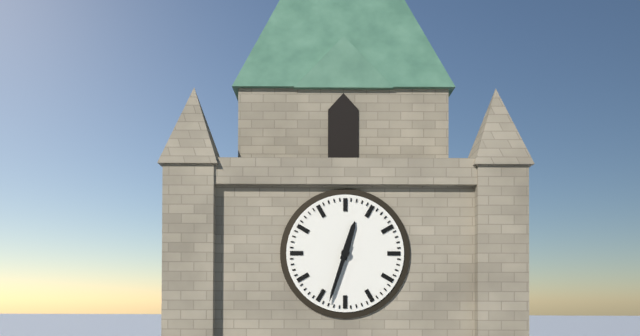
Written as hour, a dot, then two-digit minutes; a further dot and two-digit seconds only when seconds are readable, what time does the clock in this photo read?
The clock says 12.33
